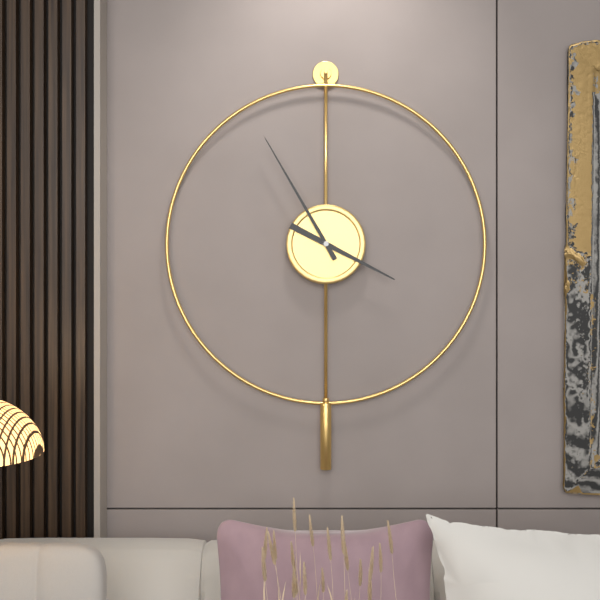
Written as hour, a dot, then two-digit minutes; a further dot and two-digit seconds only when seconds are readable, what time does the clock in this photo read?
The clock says 3.55
